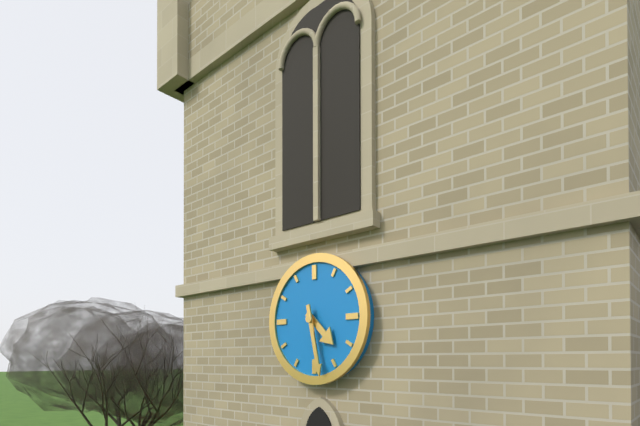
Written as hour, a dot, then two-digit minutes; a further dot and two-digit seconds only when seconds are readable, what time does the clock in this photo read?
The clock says 4.28
